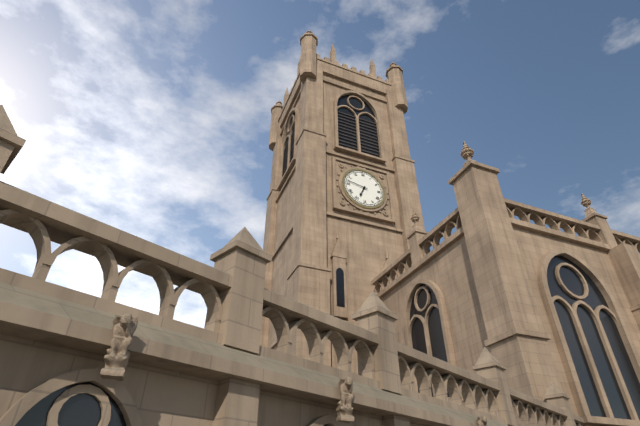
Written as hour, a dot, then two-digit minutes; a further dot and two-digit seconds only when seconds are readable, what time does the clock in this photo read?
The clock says 6.47
